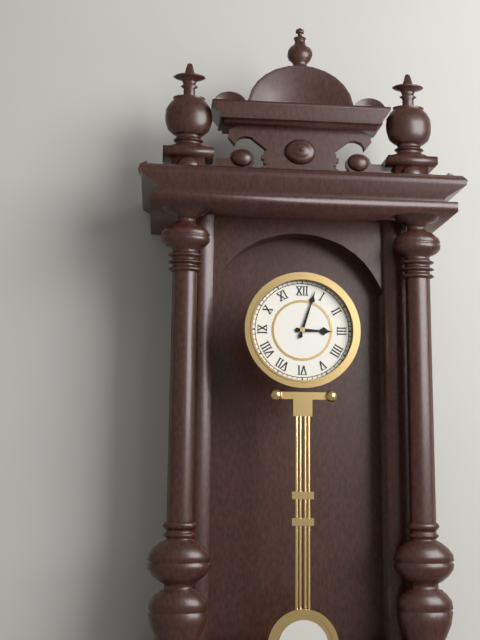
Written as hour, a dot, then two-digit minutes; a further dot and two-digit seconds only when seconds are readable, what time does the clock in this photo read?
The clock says 3.03
